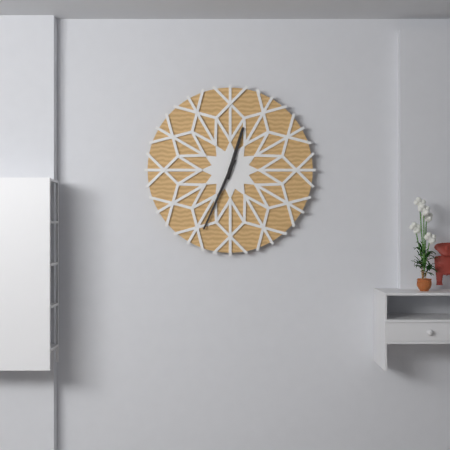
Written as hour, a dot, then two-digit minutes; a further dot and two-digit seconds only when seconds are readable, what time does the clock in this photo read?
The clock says 12.34
